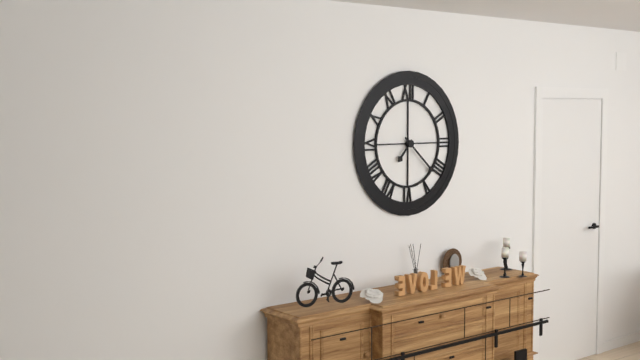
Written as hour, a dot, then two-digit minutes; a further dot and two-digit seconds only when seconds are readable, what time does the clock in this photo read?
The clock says 7.22
